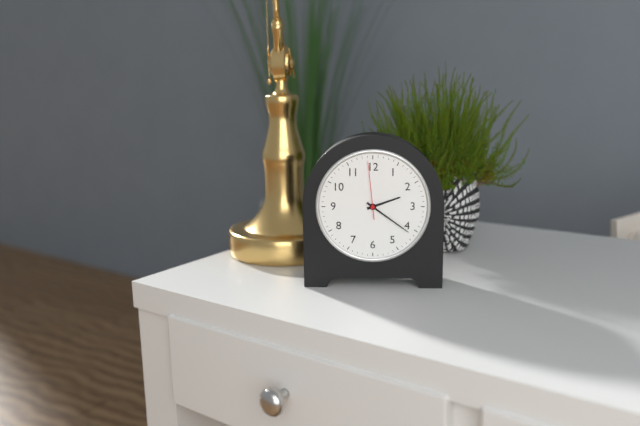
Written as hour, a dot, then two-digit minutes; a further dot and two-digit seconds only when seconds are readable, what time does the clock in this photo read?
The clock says 2.21.59
